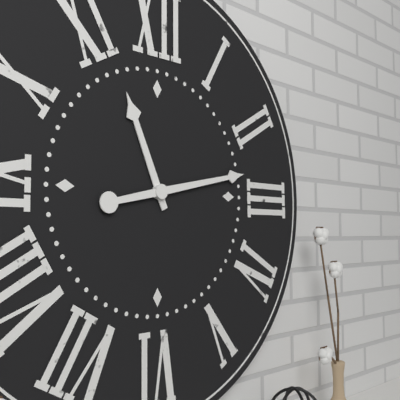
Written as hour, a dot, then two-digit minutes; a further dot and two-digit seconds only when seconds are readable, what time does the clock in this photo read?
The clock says 11.13
